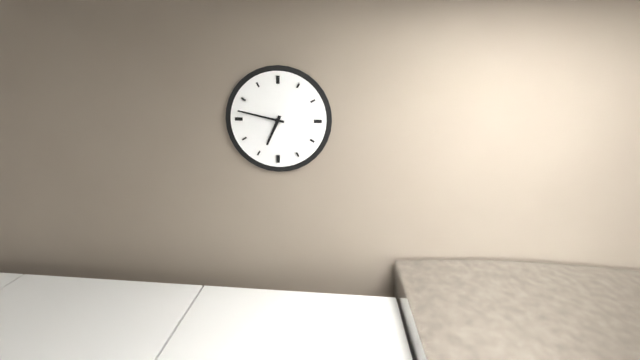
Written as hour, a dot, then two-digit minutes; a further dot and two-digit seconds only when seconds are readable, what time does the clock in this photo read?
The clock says 6.47
